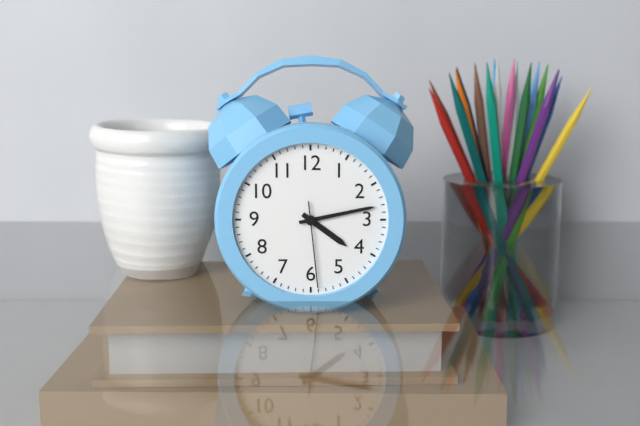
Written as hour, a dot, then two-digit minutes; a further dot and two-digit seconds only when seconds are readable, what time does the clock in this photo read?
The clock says 4.13.29
